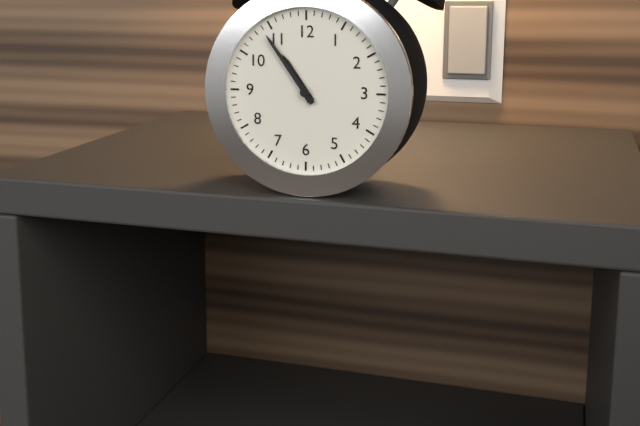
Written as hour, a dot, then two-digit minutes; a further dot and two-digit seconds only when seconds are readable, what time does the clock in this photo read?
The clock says 10.54
